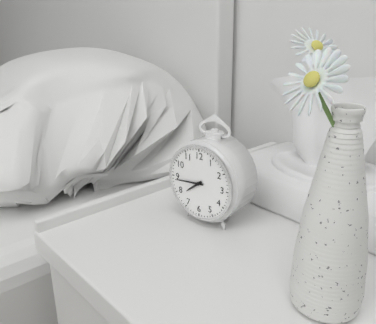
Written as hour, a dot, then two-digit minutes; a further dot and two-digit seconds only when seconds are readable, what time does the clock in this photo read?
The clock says 7.44
